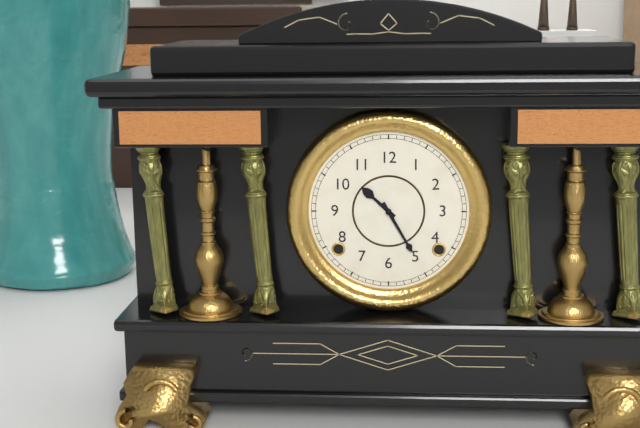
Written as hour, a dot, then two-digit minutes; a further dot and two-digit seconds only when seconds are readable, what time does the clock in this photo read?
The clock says 10.25
